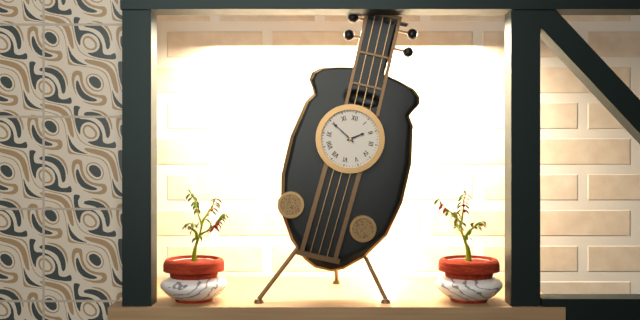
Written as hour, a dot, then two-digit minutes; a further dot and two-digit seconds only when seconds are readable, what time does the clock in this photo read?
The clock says 1.50
